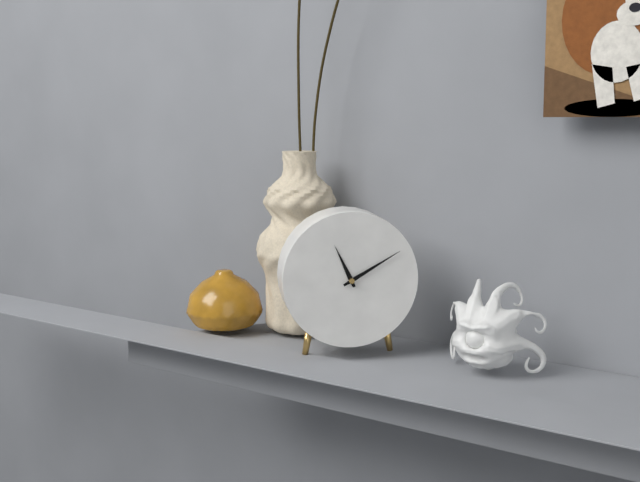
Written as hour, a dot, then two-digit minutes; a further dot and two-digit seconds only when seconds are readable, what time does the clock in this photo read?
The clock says 11.10
